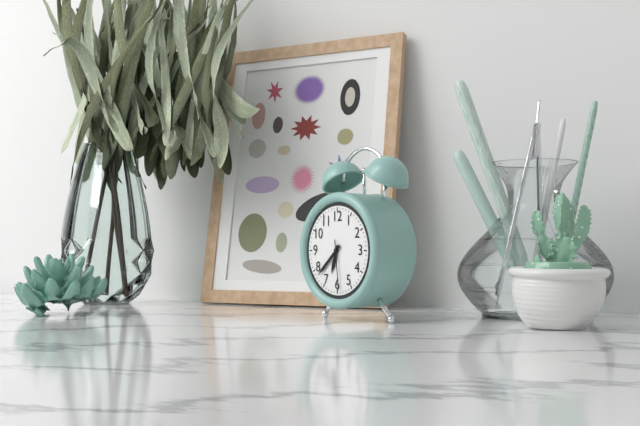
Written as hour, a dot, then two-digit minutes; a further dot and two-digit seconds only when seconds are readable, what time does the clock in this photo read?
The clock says 6.38.29
